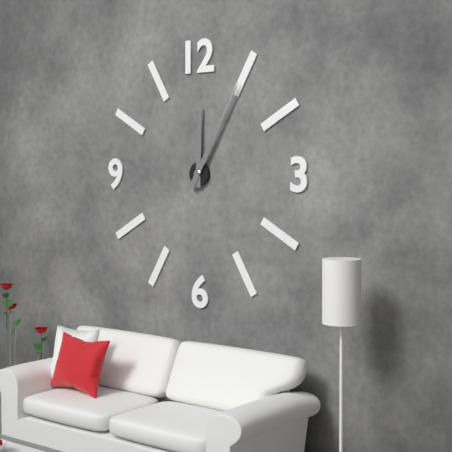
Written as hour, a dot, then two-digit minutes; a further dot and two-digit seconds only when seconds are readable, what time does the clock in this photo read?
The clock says 12.05
